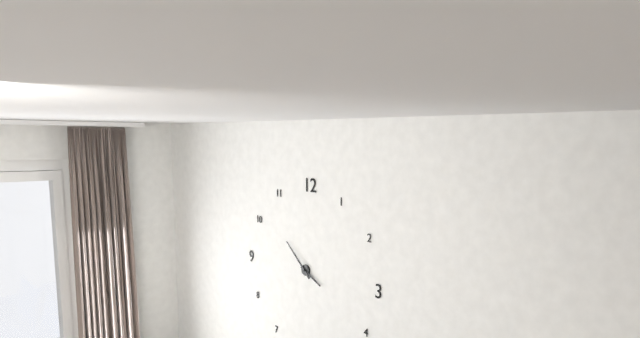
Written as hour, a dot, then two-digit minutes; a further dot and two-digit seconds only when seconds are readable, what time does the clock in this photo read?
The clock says 3.52
